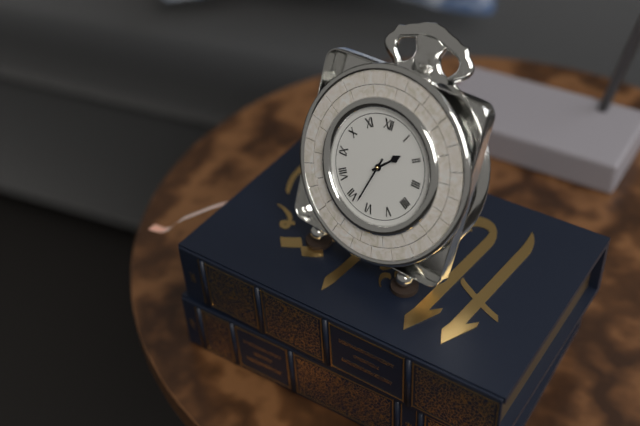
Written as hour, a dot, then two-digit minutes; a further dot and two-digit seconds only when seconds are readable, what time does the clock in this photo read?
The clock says 1.33
